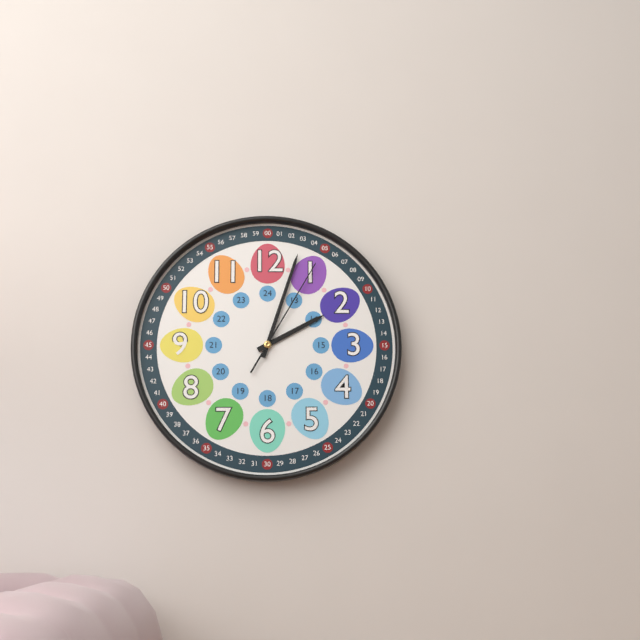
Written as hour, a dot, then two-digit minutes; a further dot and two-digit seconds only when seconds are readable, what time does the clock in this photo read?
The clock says 2.03.05
